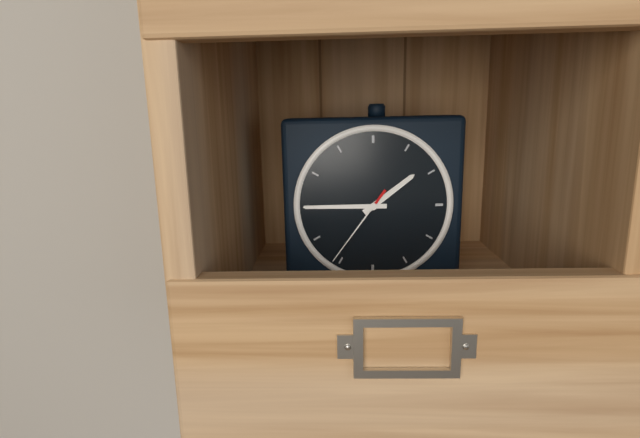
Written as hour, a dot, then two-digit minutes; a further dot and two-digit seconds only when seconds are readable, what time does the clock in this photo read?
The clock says 1.45.36
